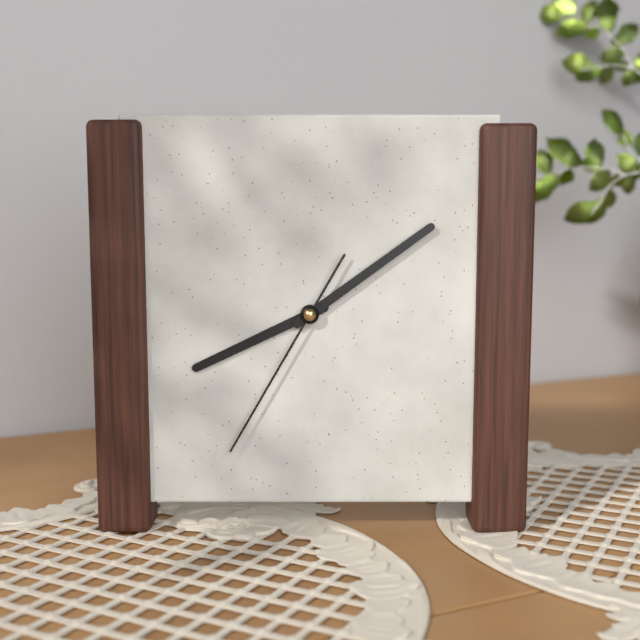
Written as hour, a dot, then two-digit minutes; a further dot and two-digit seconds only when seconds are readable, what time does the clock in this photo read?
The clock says 8.09.35
